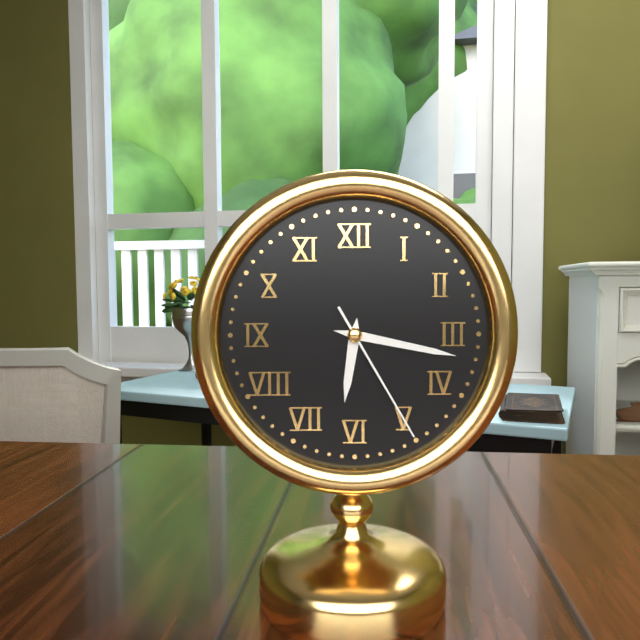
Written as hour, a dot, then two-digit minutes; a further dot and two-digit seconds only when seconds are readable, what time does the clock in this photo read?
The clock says 6.17.25
